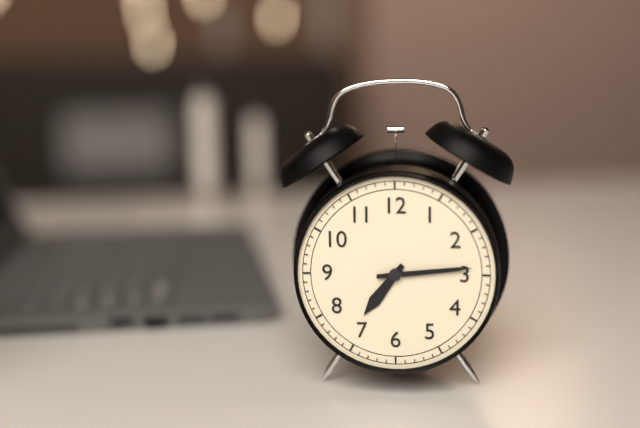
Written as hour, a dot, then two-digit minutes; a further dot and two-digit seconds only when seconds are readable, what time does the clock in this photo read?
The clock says 7.14
